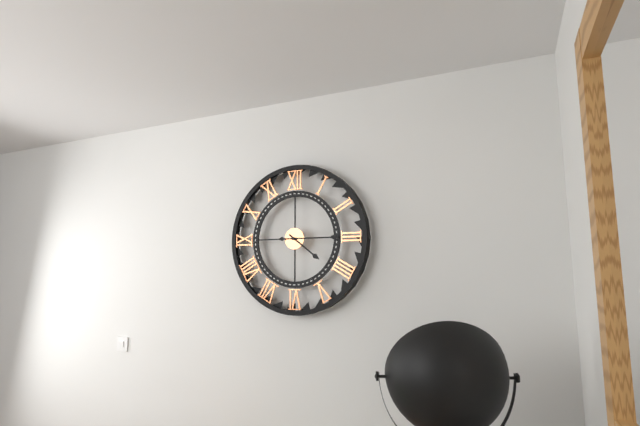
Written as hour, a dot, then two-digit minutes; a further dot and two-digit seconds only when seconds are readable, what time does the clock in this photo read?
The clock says 4.15
